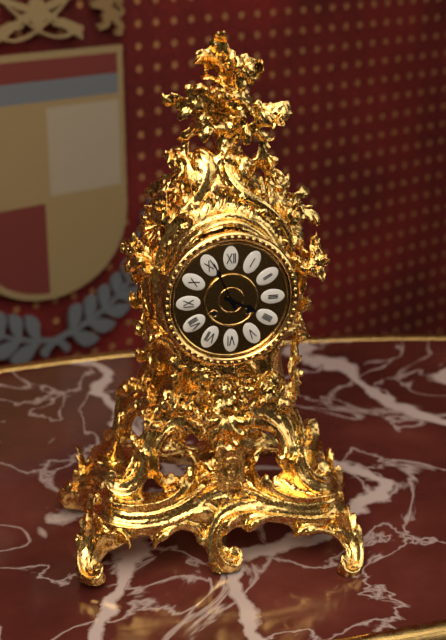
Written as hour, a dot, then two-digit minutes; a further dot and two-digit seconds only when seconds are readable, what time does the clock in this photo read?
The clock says 3.56
